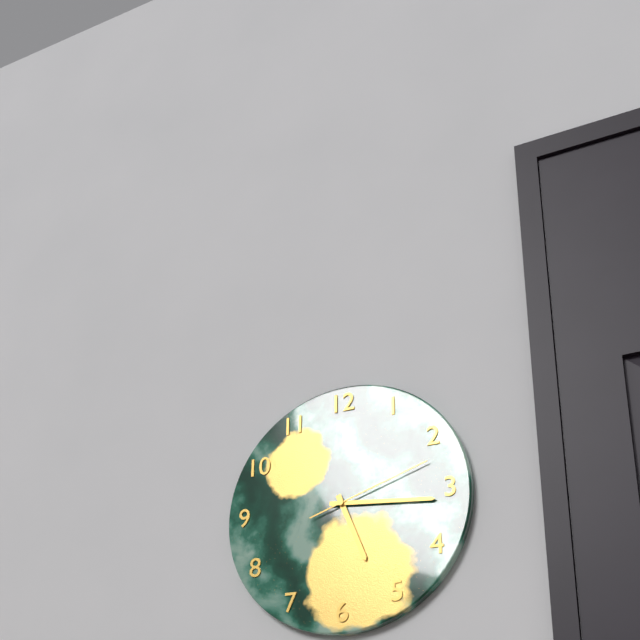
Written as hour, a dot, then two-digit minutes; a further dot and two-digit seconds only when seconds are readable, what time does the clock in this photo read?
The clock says 5.16.12
